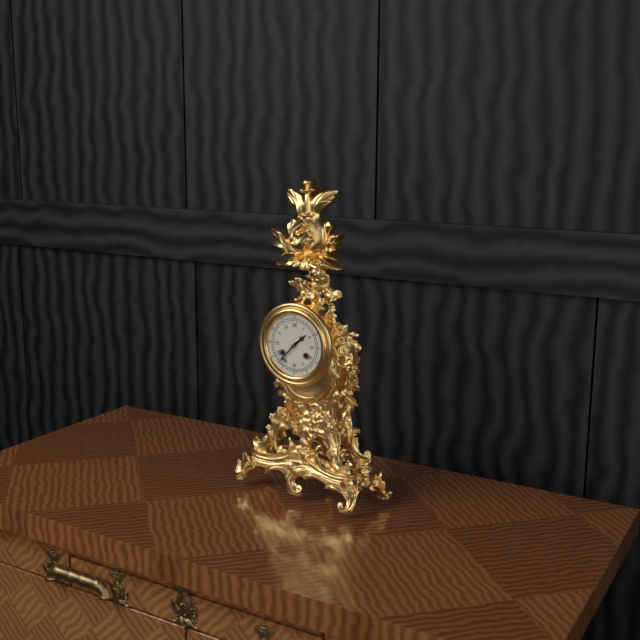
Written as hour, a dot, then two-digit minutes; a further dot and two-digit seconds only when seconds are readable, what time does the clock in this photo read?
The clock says 1.37
